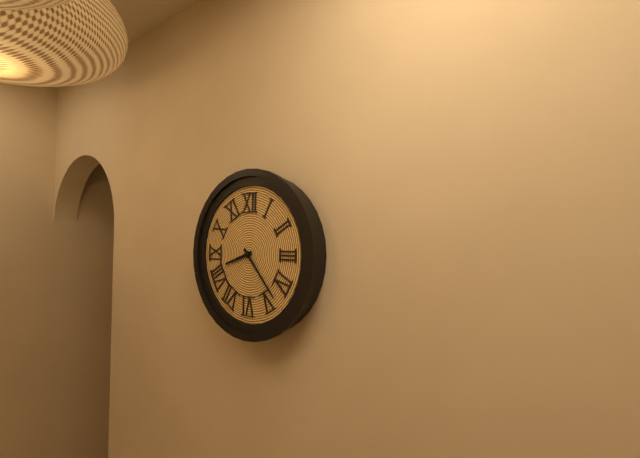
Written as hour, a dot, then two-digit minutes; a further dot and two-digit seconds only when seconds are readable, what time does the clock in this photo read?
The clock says 8.23
